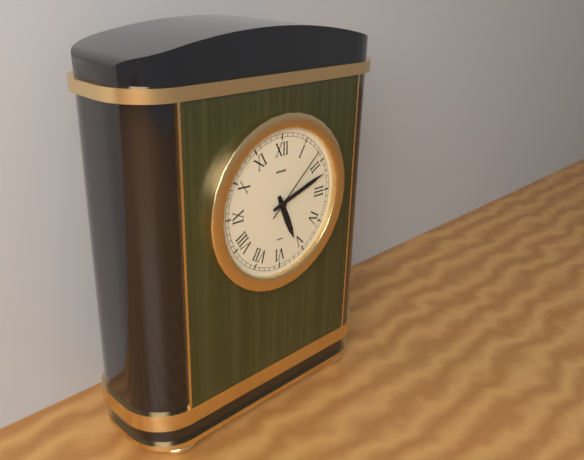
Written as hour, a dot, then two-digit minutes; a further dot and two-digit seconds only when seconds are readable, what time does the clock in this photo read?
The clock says 5.12.08
